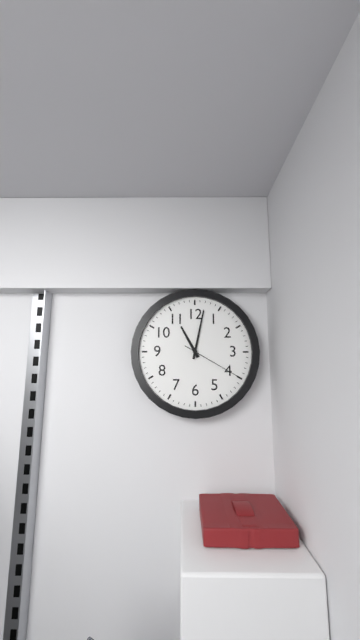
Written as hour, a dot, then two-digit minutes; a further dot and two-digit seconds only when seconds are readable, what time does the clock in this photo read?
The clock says 11.02.20
